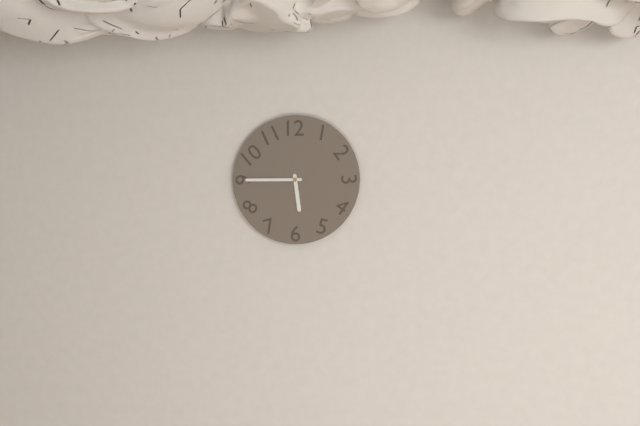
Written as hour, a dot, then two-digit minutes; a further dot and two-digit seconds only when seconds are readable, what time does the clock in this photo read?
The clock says 5.45
